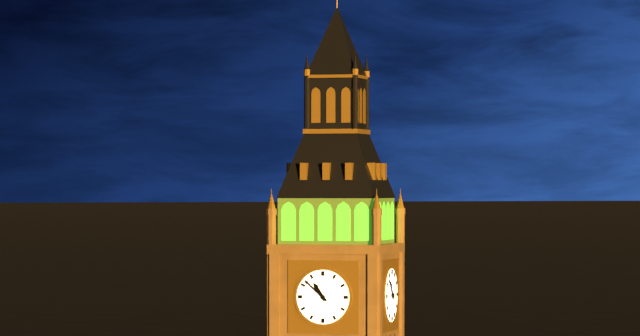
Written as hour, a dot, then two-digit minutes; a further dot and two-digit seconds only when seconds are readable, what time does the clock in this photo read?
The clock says 10.52
